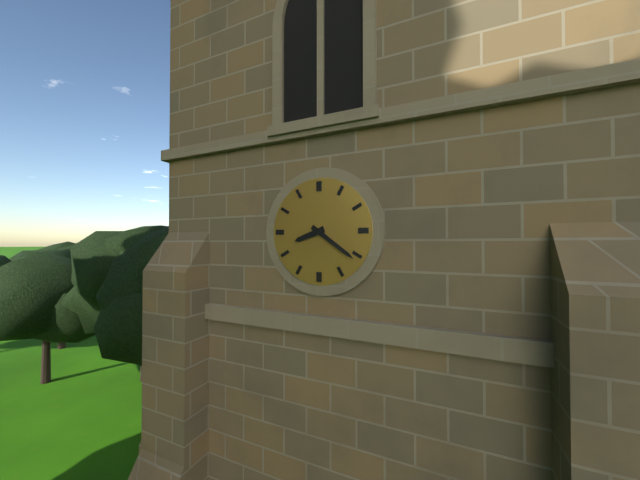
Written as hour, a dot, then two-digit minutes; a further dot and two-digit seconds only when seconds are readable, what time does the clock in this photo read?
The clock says 8.21
